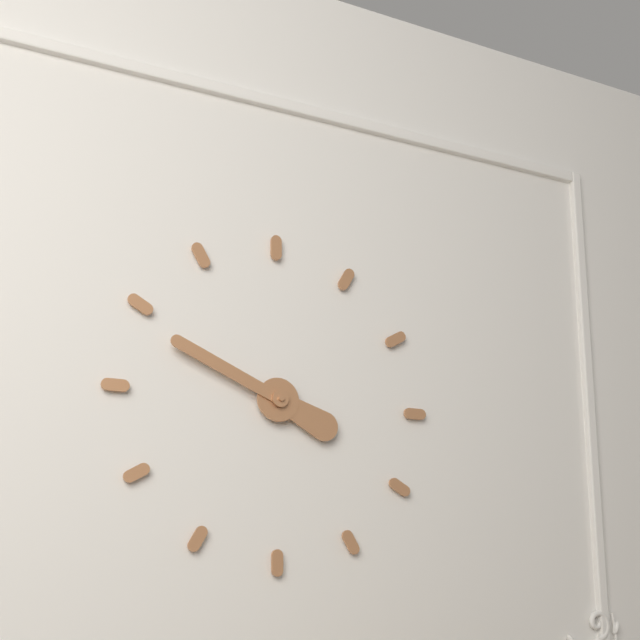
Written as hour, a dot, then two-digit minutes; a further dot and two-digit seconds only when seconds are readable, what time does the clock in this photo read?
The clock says 3.49
